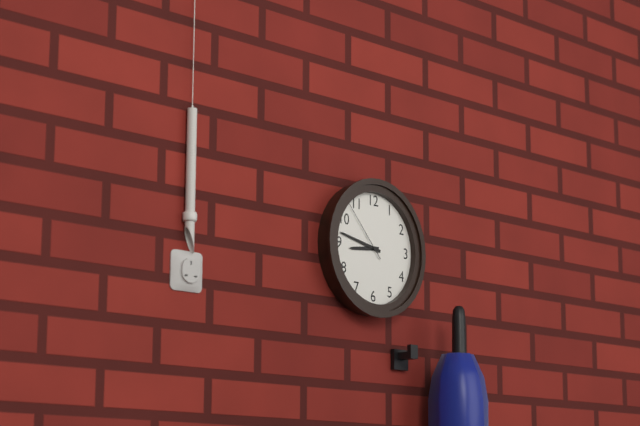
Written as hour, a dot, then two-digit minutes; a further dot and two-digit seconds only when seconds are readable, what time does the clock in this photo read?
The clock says 8.47.53
